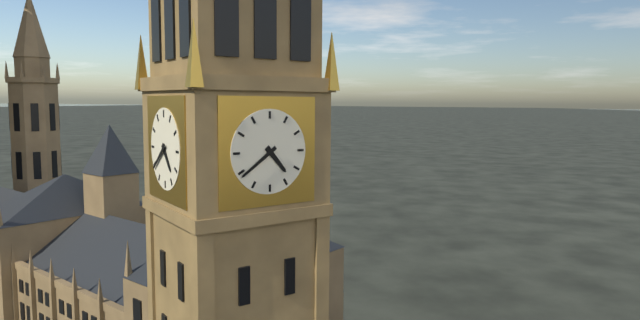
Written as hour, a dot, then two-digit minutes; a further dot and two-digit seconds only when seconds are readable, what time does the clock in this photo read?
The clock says 4.39
